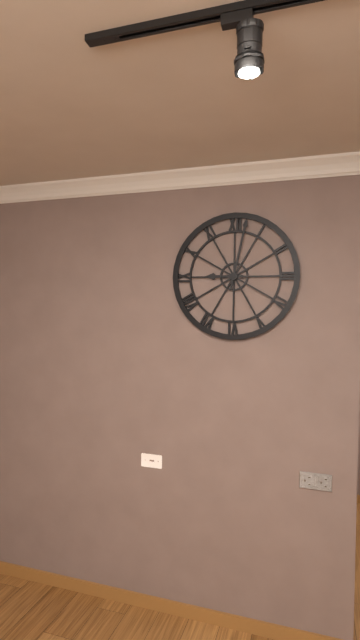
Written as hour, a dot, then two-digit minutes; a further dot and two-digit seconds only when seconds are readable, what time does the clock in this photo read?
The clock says 9.02
